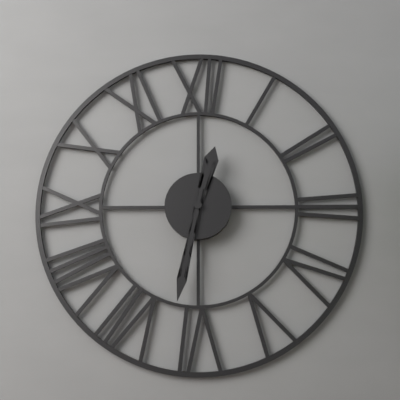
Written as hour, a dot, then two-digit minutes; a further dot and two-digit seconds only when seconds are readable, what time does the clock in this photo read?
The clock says 12.32
